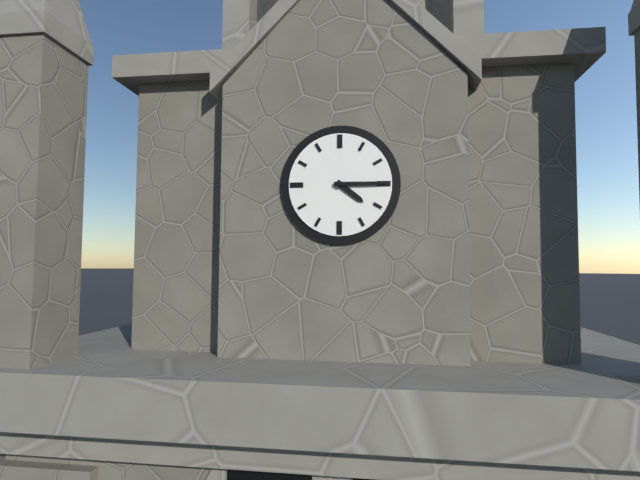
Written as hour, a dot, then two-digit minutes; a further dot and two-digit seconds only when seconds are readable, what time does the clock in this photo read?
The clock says 4.15
